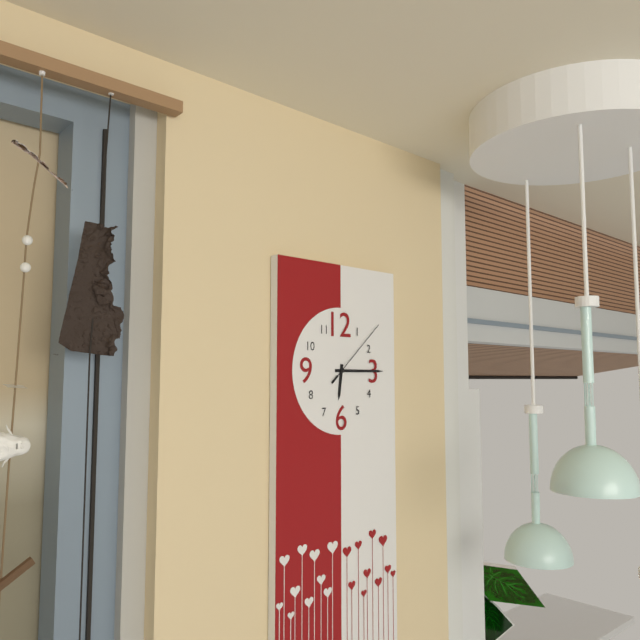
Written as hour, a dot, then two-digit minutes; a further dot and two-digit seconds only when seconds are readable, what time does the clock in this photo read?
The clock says 6.15.08
